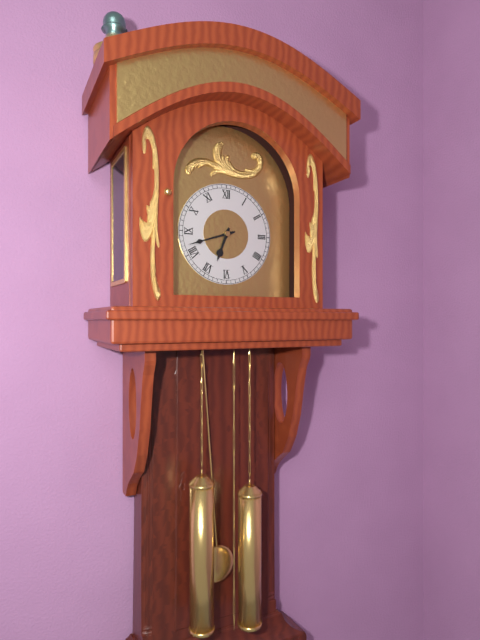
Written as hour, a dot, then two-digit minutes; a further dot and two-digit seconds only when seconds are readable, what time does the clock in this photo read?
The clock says 6.42
